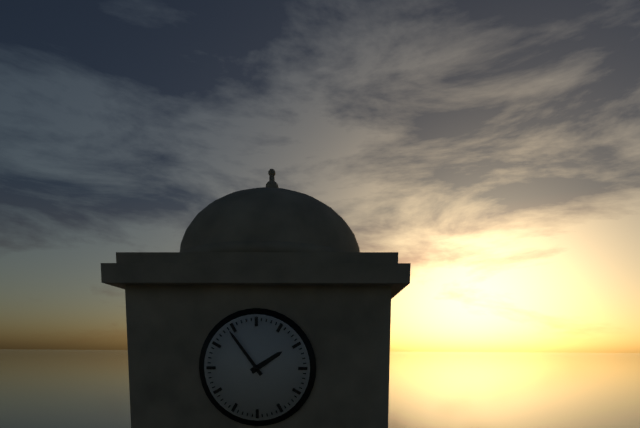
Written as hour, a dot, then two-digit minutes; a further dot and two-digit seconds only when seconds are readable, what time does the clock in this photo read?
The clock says 1.54
